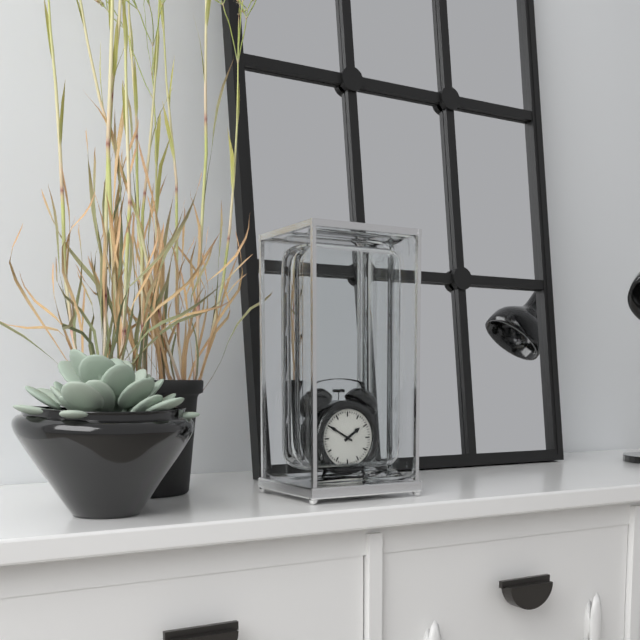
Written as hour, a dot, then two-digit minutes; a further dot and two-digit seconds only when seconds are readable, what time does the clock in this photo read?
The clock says 1.50
